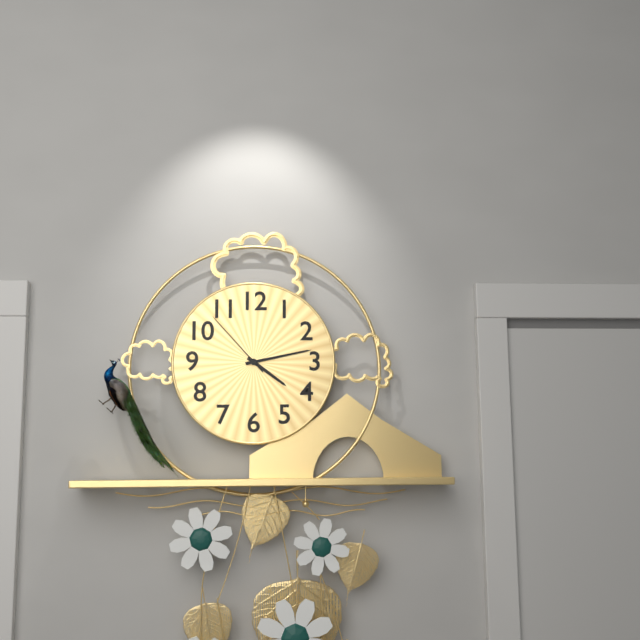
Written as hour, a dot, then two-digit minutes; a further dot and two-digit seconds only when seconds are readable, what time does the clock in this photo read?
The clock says 4.13.53
